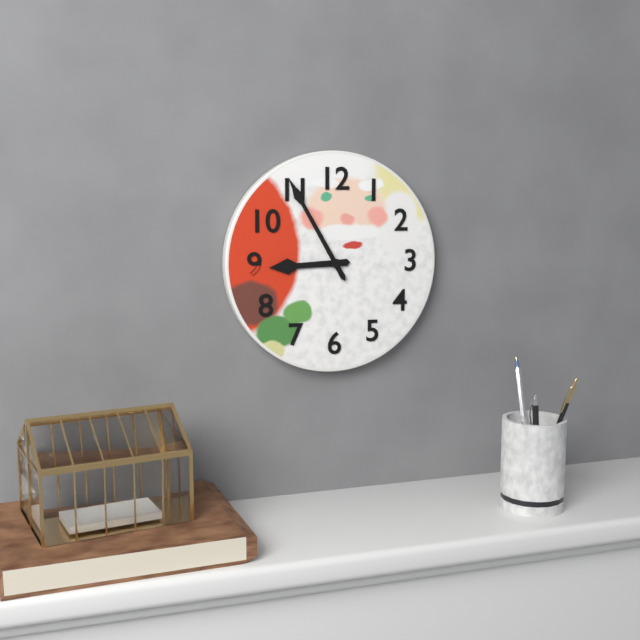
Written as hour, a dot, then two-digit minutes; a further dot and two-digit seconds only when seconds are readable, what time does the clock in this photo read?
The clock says 8.55
